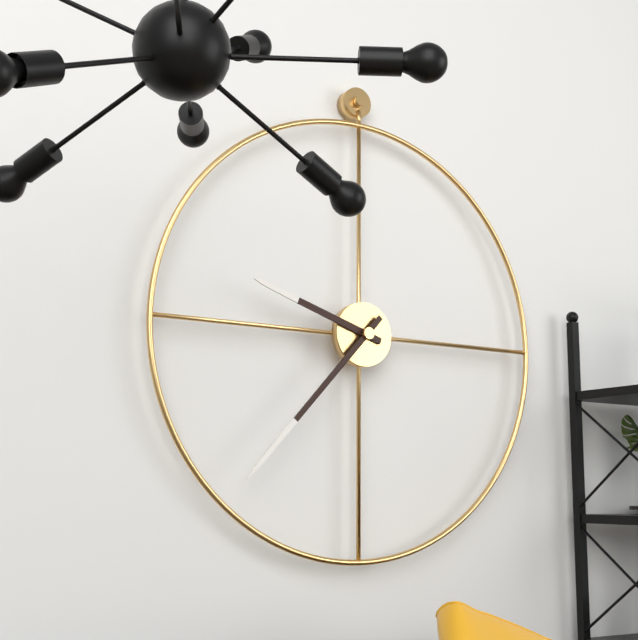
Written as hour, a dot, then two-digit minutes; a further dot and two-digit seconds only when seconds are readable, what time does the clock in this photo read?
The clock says 9.37
